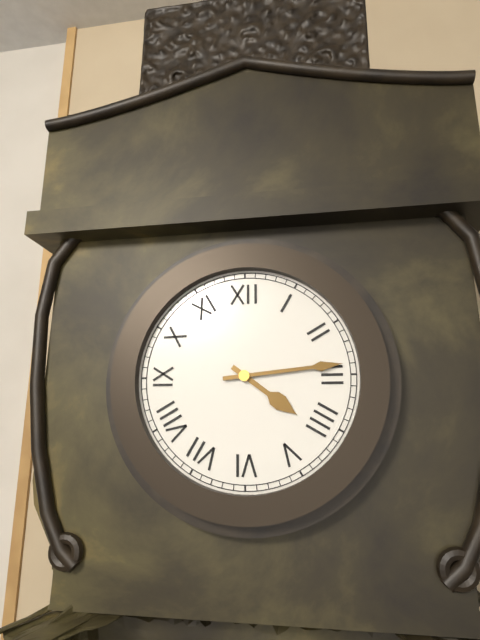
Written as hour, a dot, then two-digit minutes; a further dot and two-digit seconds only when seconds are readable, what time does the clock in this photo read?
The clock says 4.14
